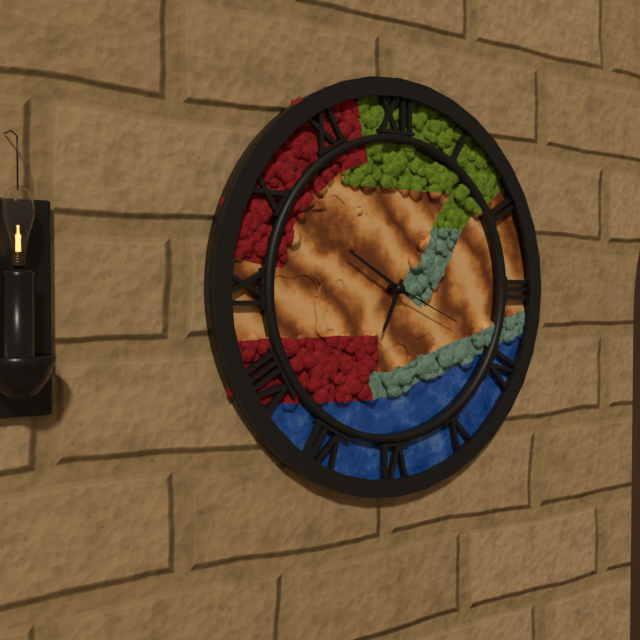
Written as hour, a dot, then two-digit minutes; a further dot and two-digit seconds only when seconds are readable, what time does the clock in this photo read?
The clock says 6.50.19
